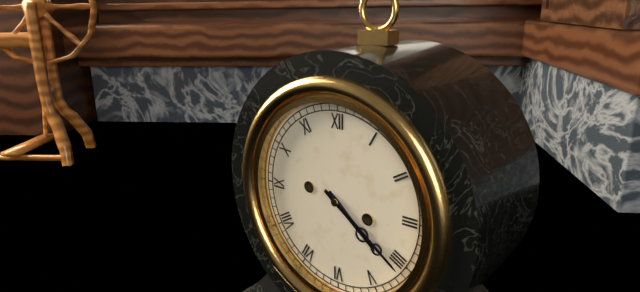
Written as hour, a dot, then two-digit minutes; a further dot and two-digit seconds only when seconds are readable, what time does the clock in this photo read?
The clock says 4.21
